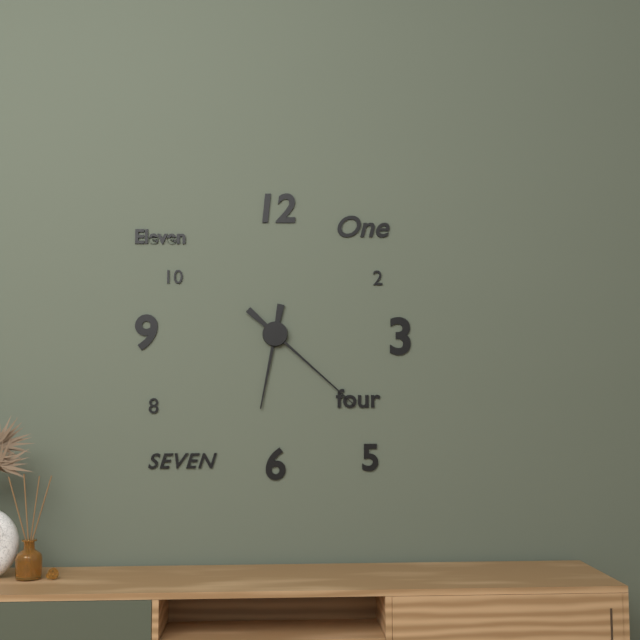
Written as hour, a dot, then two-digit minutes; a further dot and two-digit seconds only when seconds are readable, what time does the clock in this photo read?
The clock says 6.22
